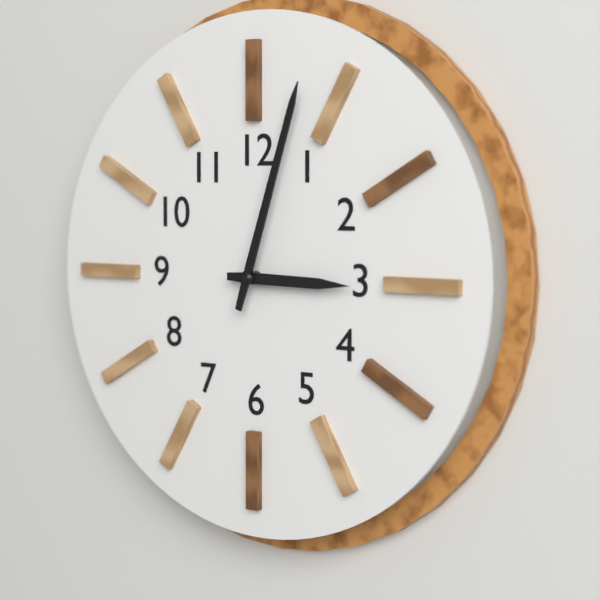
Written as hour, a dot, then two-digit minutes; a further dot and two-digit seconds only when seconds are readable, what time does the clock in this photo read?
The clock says 3.03
